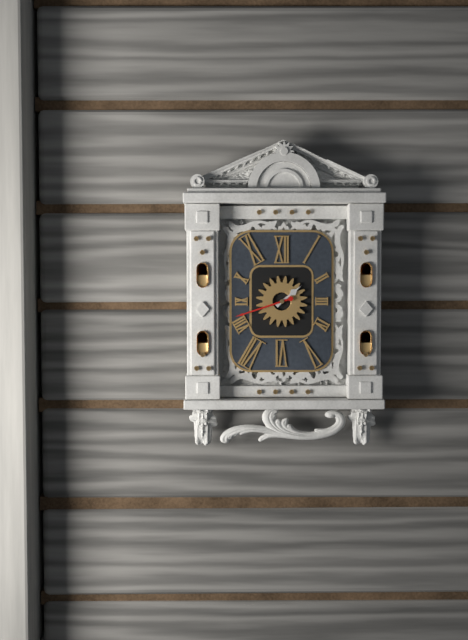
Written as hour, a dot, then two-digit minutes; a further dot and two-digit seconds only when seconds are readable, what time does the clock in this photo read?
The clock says 1.42
